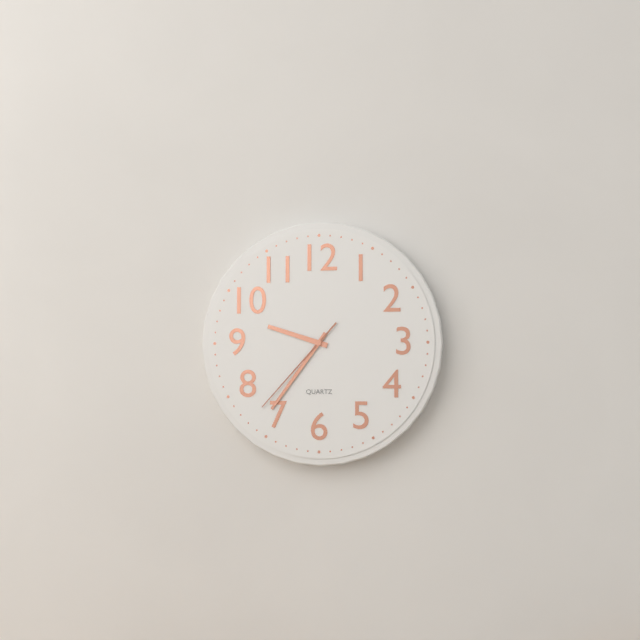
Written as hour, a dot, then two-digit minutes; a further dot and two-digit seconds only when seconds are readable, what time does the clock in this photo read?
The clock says 9.36.37
